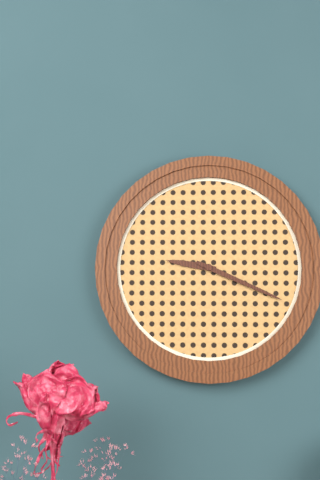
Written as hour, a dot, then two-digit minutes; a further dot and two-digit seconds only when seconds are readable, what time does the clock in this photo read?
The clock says 9.19
